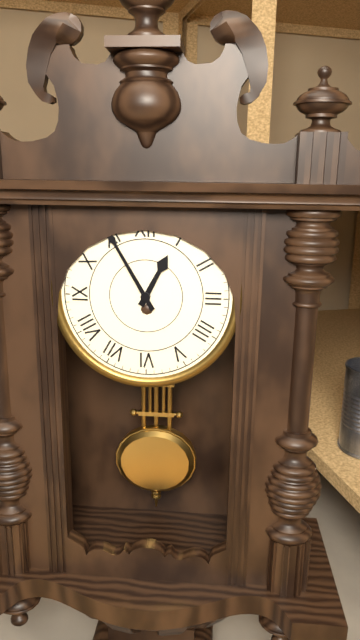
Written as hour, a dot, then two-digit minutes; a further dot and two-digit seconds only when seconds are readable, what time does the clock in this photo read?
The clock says 12.55
